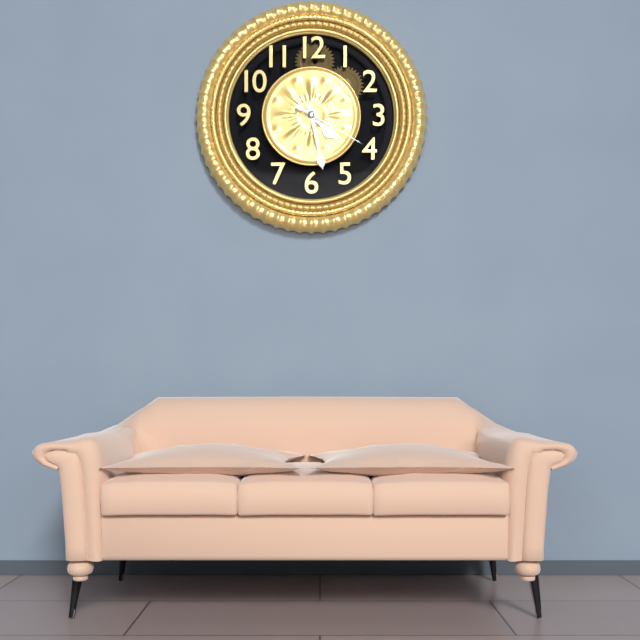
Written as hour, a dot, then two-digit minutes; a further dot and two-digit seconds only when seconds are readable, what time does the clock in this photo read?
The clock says 4.28.20
